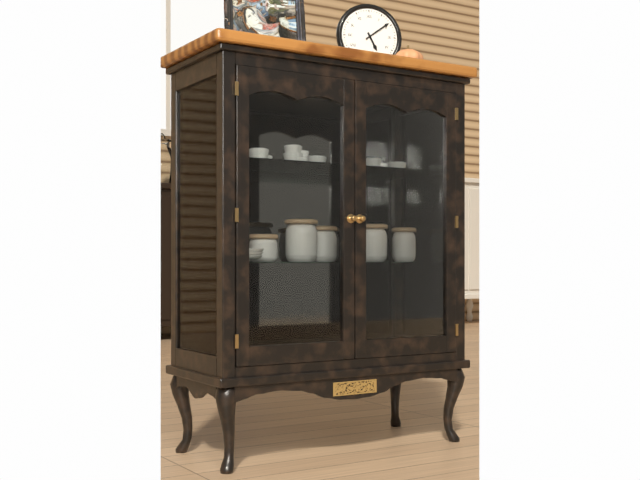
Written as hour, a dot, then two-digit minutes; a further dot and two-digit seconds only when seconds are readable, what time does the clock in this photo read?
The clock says 5.09
